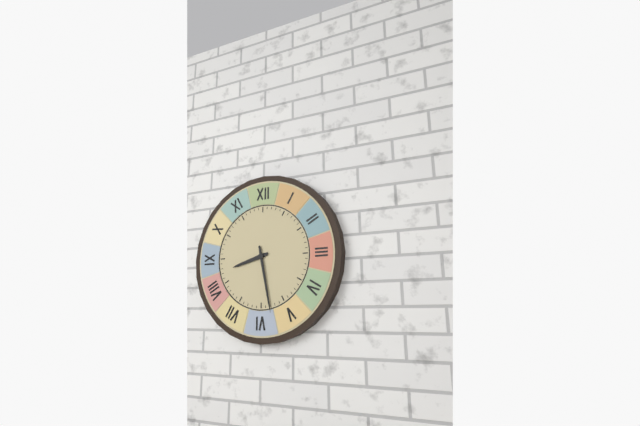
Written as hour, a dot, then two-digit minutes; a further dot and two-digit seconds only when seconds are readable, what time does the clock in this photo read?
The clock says 8.28
